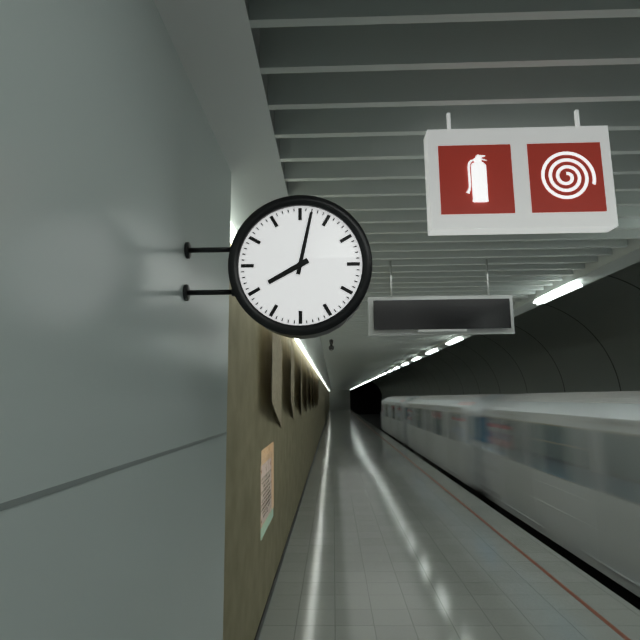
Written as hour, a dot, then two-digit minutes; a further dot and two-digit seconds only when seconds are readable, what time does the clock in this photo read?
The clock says 8.02
